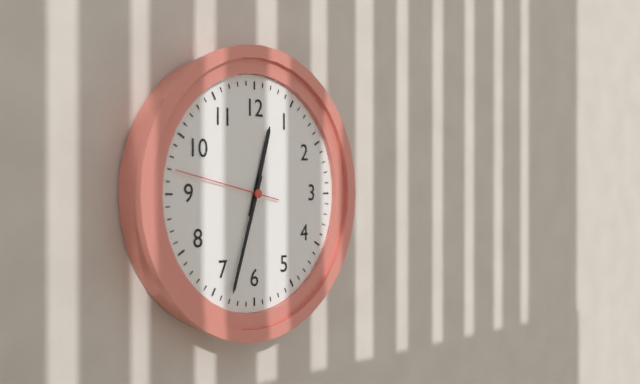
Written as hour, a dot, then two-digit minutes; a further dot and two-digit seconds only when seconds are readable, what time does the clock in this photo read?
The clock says 12.33.47
